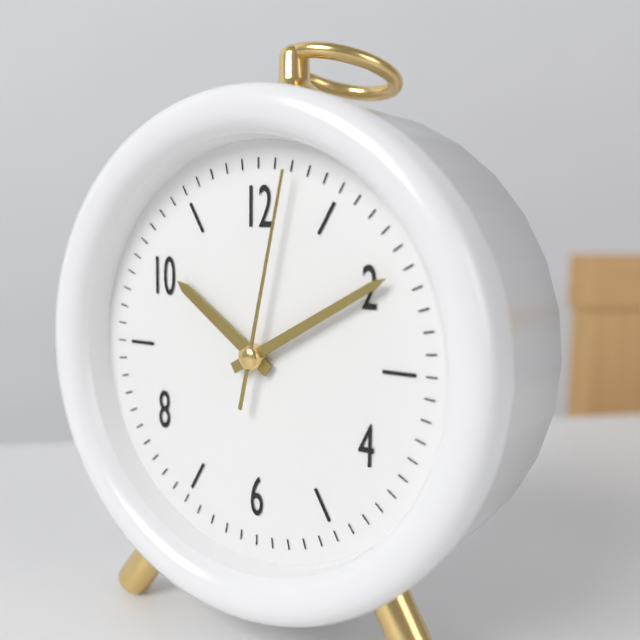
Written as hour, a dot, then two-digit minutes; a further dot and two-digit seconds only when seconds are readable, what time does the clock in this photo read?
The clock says 10.10.02
